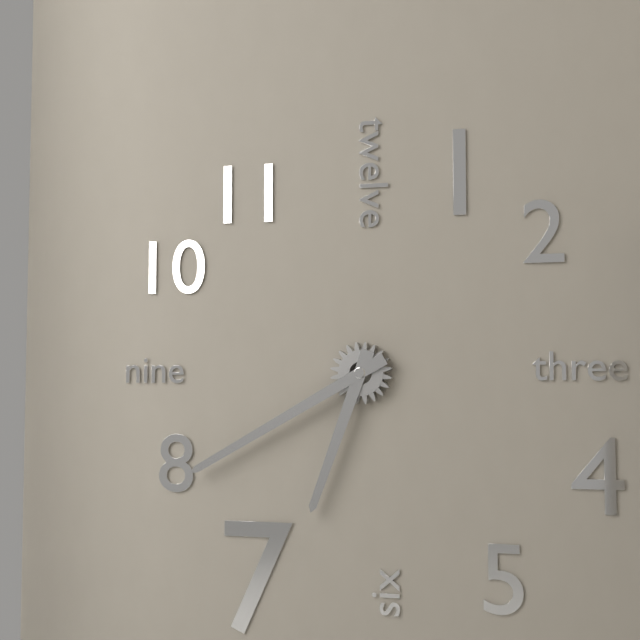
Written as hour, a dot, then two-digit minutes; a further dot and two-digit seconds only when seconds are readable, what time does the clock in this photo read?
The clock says 6.40
